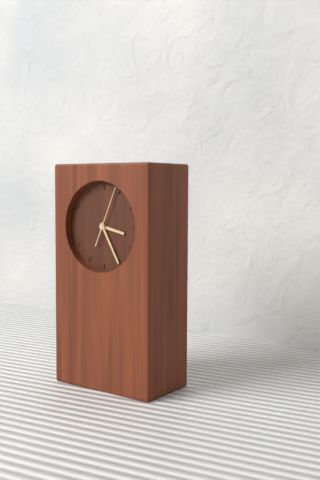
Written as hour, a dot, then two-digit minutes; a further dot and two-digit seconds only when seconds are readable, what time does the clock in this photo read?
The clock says 3.25.04
